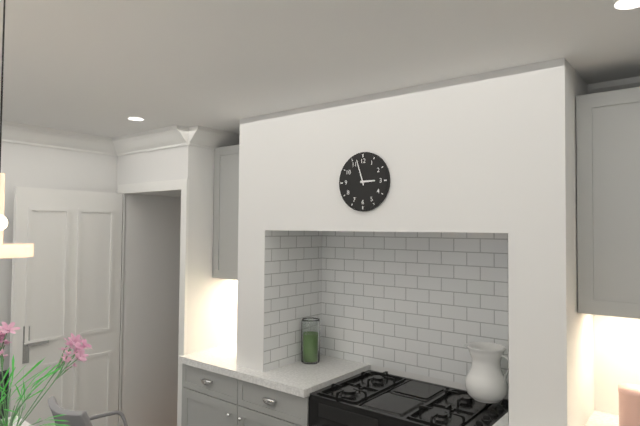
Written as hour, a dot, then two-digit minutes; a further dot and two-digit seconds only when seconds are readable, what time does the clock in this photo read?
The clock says 2.57
